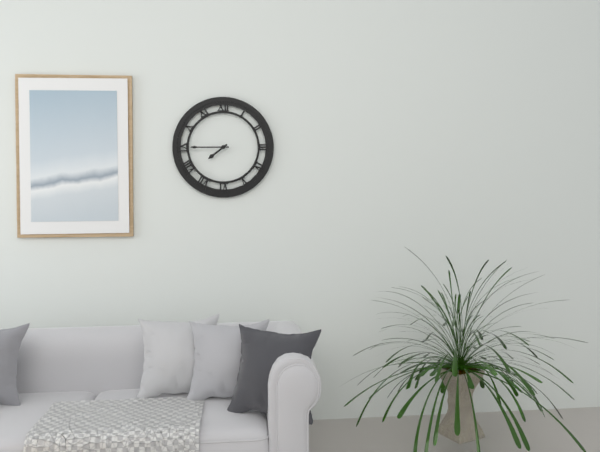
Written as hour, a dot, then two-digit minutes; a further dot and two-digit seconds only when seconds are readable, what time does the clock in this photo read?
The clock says 7.45
